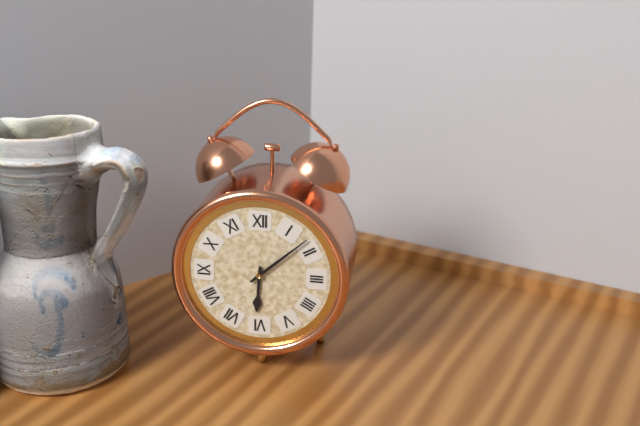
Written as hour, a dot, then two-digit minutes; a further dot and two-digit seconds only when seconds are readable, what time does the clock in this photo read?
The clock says 6.08
